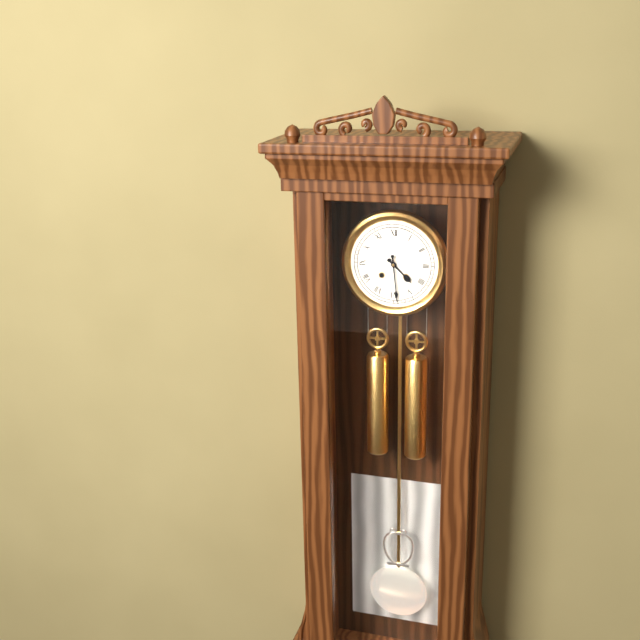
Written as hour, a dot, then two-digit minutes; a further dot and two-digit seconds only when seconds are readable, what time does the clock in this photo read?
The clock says 4.29
